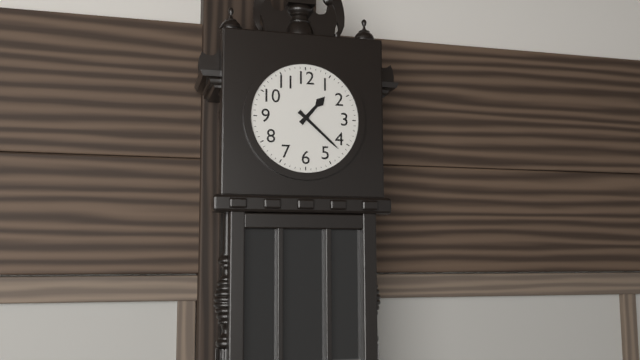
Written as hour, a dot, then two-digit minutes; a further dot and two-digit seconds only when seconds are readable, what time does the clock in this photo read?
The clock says 1.22
